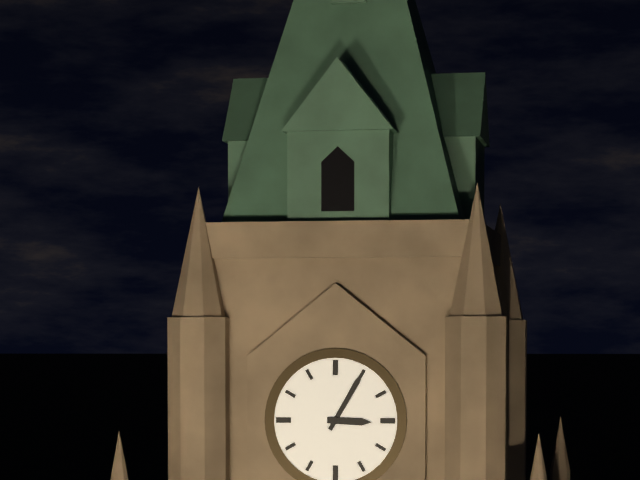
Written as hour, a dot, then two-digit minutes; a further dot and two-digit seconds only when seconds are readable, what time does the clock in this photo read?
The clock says 3.05
